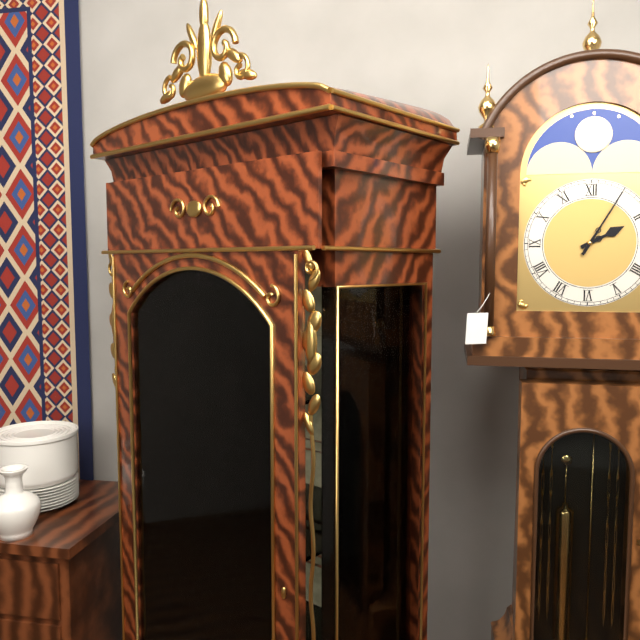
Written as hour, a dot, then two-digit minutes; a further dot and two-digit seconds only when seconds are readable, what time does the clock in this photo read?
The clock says 2.05
